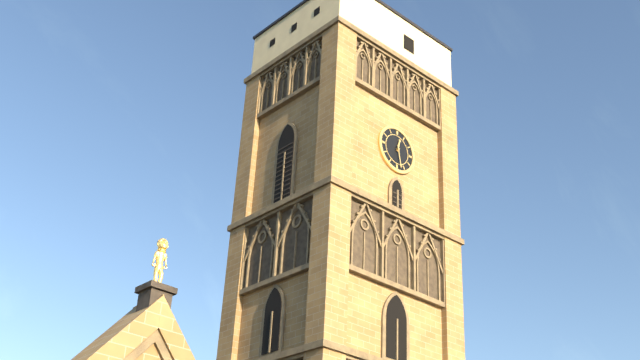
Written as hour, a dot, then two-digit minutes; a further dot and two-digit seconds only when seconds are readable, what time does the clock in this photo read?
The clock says 12.28
